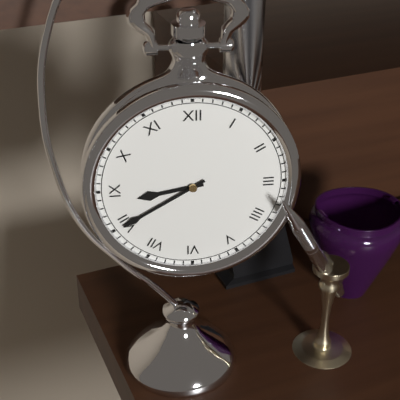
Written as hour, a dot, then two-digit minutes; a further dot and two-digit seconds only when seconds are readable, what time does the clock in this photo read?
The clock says 8.40
